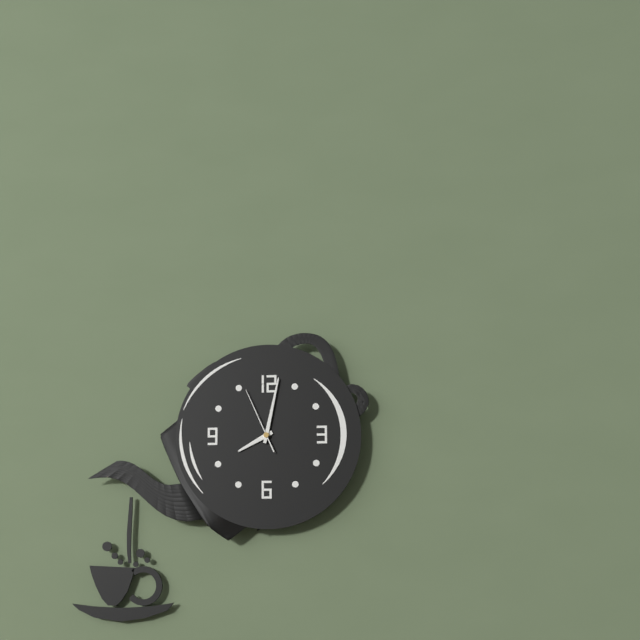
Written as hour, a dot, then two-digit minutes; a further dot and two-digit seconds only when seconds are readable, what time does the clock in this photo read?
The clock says 8.02.56
